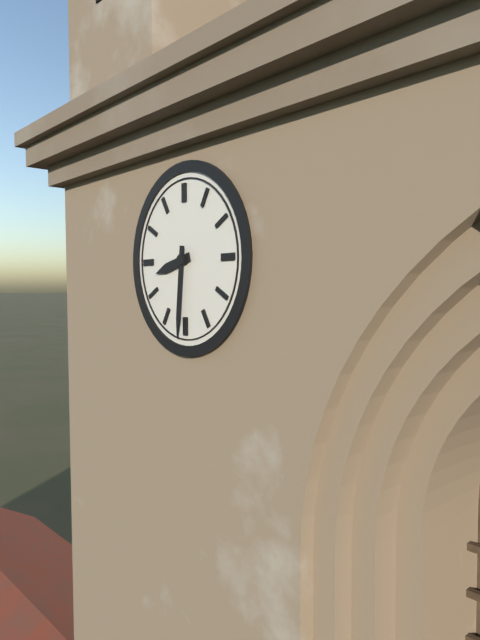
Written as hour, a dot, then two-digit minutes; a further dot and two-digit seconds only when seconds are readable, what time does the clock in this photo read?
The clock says 8.31
